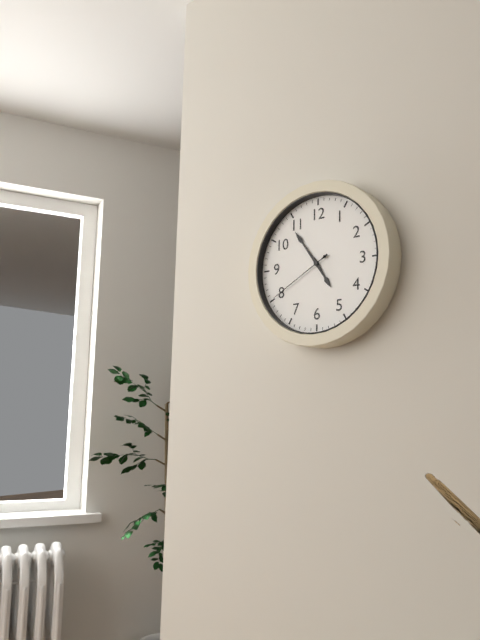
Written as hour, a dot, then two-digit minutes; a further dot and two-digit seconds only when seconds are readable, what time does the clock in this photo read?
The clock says 4.54.40
